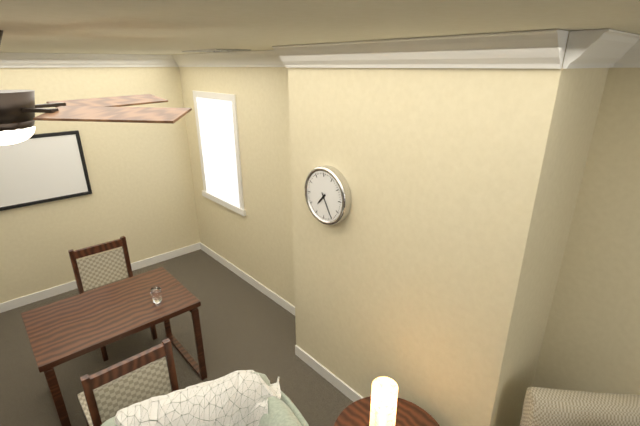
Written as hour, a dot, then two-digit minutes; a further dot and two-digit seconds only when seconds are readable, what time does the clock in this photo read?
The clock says 7.25
